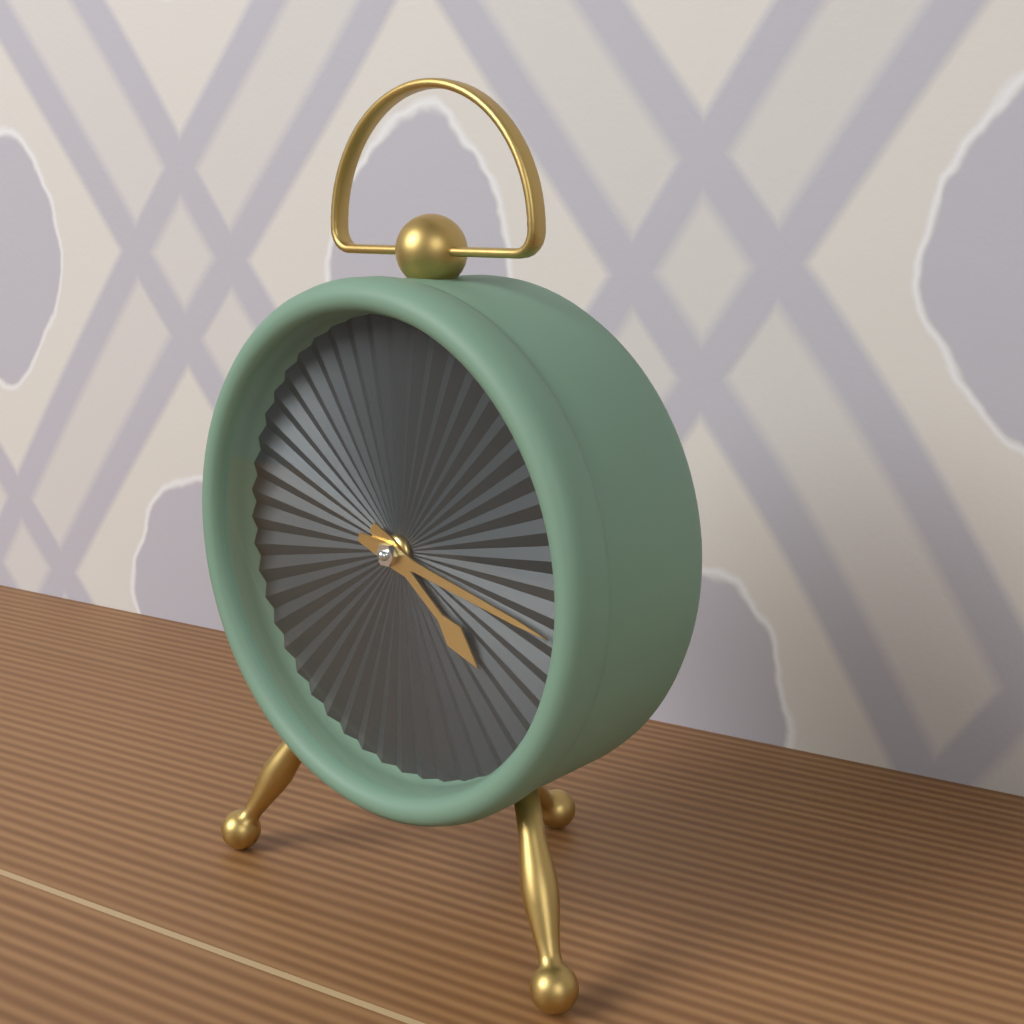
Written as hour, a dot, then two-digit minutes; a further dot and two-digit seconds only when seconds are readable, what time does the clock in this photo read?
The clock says 4.17
